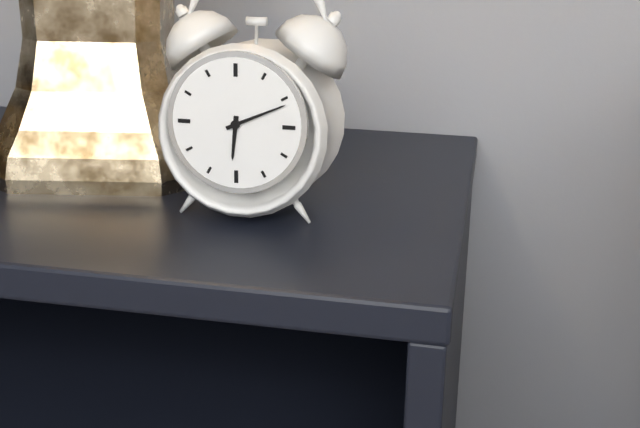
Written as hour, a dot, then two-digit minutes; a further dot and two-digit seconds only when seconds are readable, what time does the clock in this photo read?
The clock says 6.11
